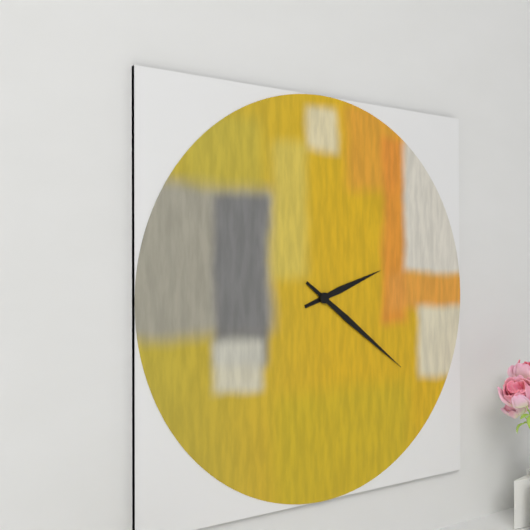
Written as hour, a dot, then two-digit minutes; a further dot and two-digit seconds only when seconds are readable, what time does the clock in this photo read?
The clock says 2.21
